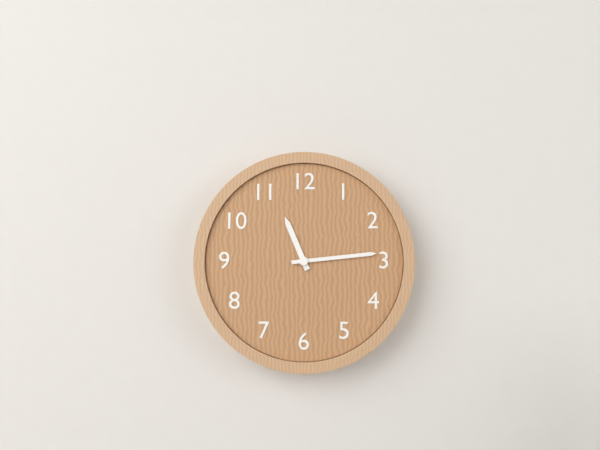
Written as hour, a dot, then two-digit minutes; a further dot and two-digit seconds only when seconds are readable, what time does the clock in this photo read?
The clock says 11.14
